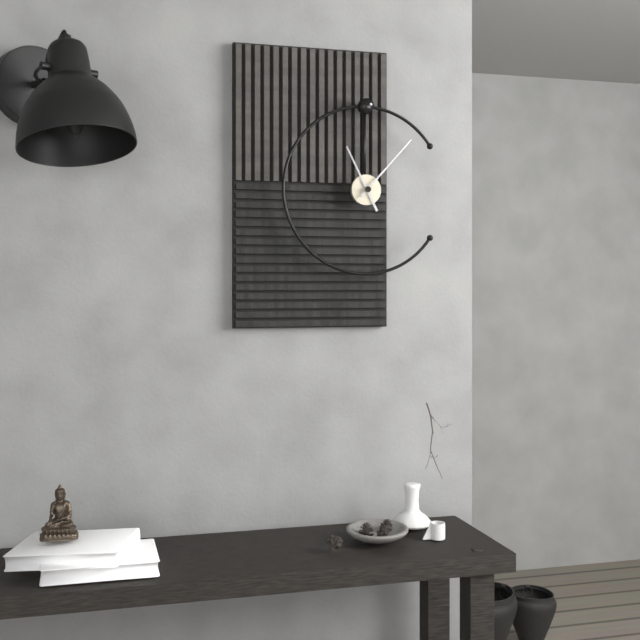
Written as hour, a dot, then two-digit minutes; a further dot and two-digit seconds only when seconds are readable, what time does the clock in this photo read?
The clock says 11.07
